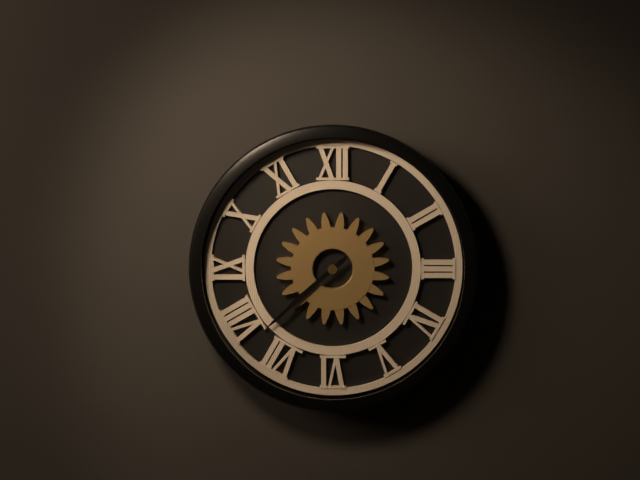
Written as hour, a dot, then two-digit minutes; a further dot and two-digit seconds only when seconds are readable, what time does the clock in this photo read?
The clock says 7.38
